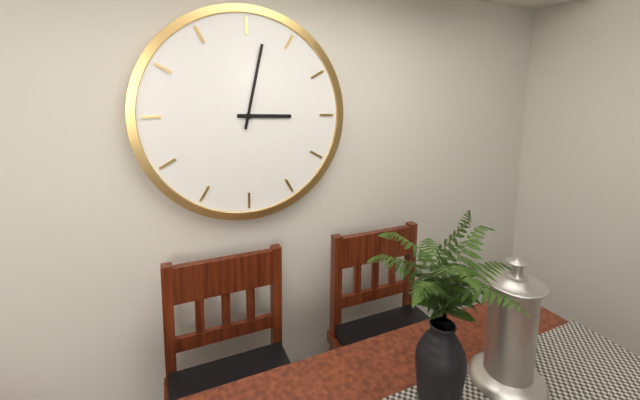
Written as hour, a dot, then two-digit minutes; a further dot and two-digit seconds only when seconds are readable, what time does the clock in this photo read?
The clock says 3.02
